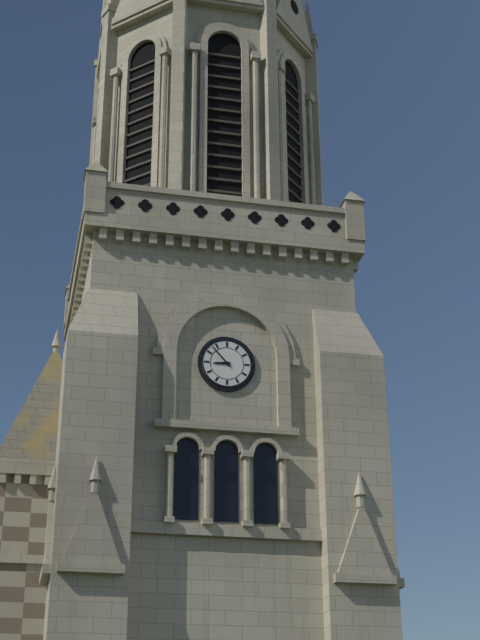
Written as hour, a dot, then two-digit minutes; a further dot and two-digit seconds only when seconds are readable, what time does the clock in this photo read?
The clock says 8.53
